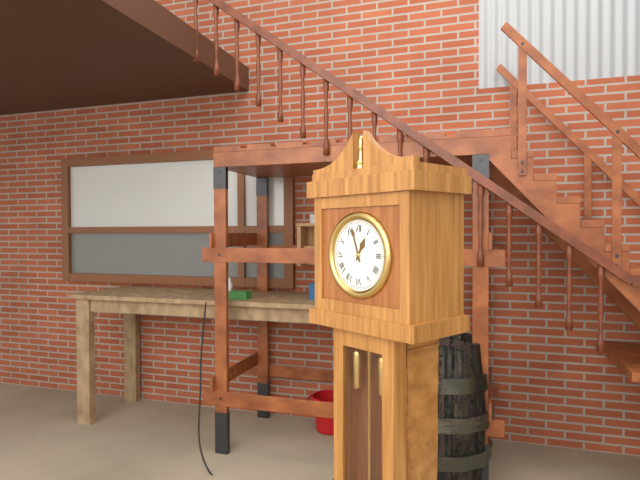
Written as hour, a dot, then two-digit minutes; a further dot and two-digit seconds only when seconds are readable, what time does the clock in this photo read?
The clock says 12.57
